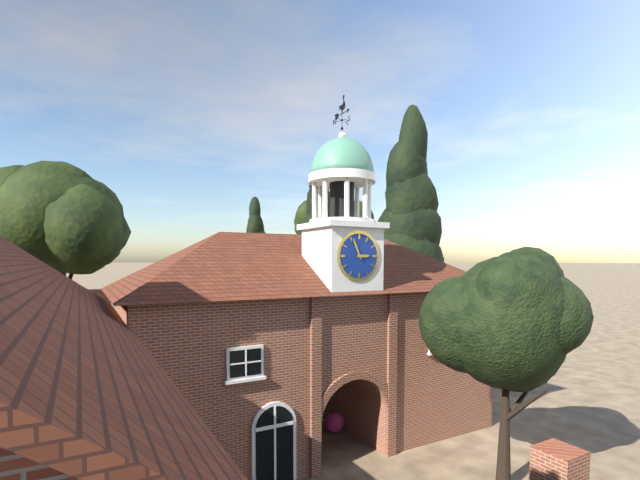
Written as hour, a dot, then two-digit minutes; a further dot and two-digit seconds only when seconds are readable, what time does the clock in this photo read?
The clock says 2.56
